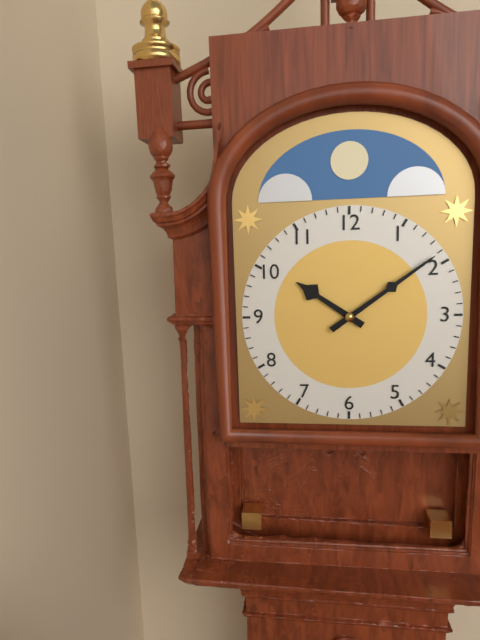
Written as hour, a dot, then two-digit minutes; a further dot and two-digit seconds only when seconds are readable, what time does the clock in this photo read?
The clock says 10.09
